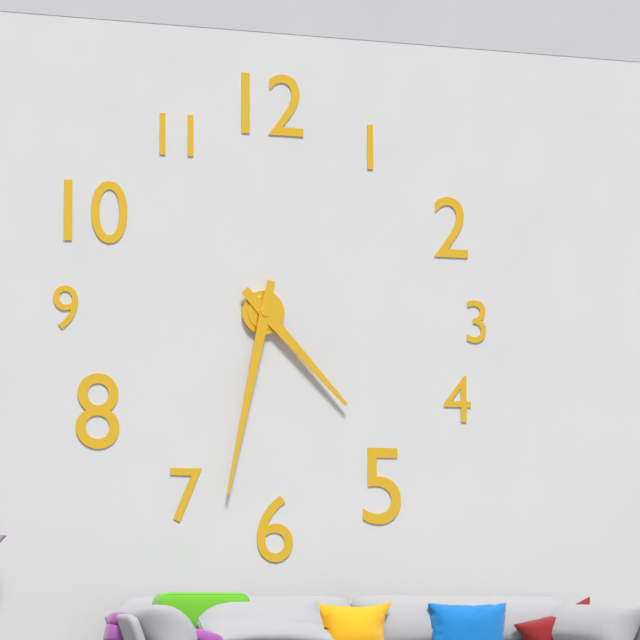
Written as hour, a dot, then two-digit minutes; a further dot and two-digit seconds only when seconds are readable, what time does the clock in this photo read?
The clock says 4.32
